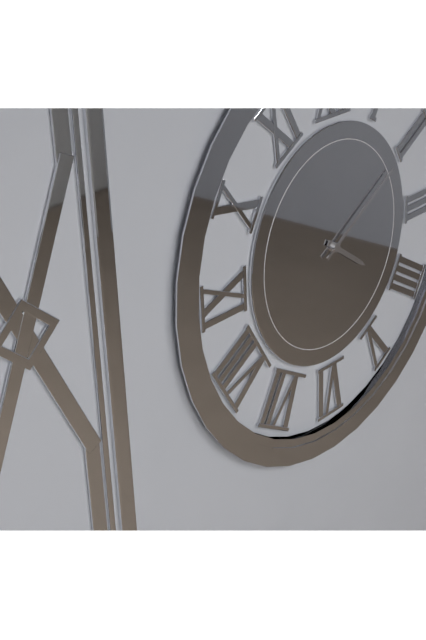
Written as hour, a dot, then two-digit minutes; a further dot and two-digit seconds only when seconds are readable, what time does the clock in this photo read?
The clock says 4.10
